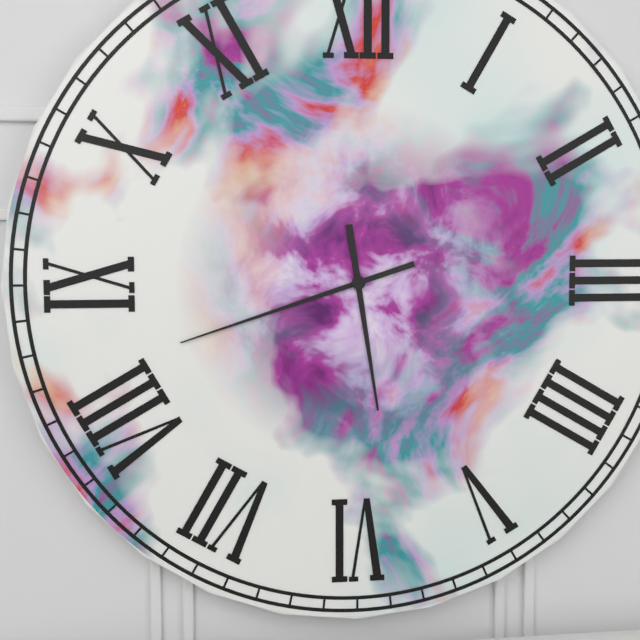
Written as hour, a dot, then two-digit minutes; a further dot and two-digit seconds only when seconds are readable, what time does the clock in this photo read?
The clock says 5.42
